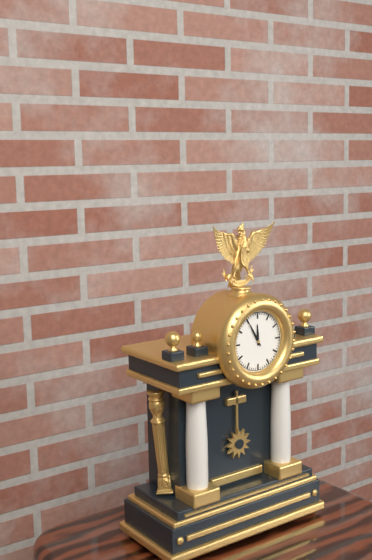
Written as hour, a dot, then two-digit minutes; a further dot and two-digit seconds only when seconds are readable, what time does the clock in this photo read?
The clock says 11.55
